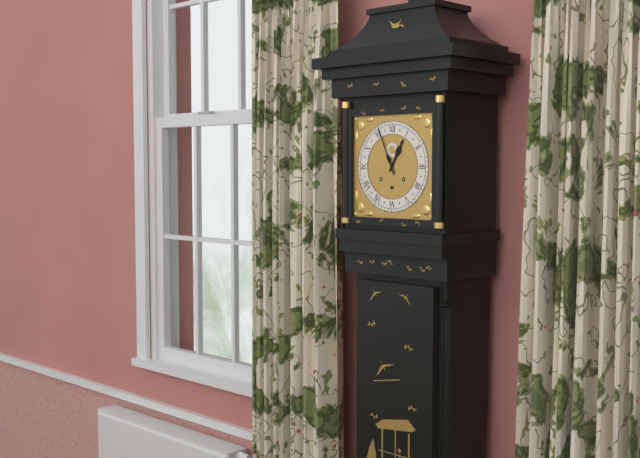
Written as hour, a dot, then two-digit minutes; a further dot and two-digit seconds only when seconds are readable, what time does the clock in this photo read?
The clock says 12.56
